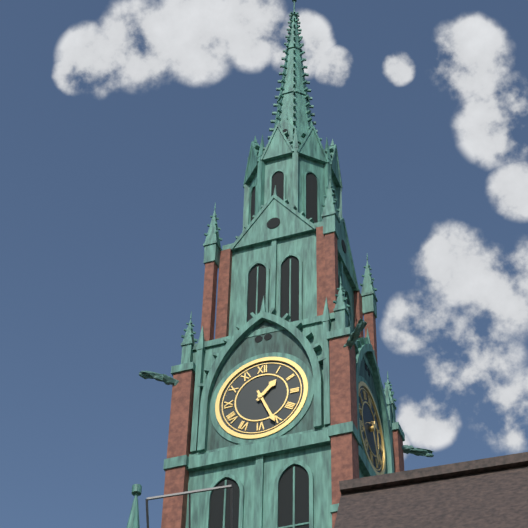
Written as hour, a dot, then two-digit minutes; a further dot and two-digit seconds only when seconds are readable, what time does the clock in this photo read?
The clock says 1.26
